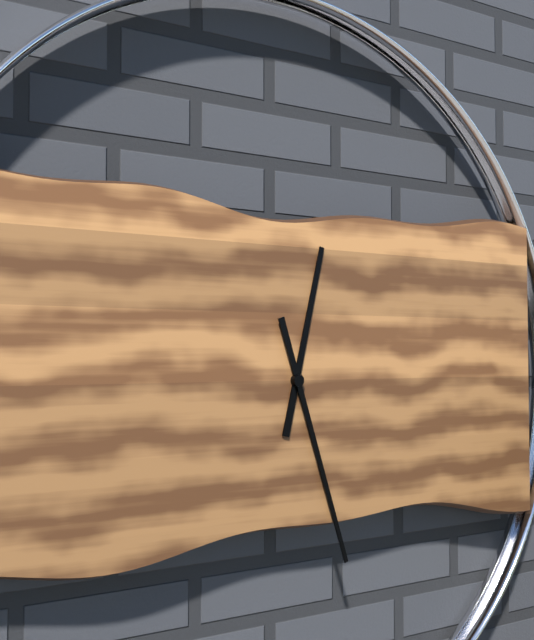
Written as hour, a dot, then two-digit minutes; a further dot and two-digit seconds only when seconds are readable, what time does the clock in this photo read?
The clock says 12.27
